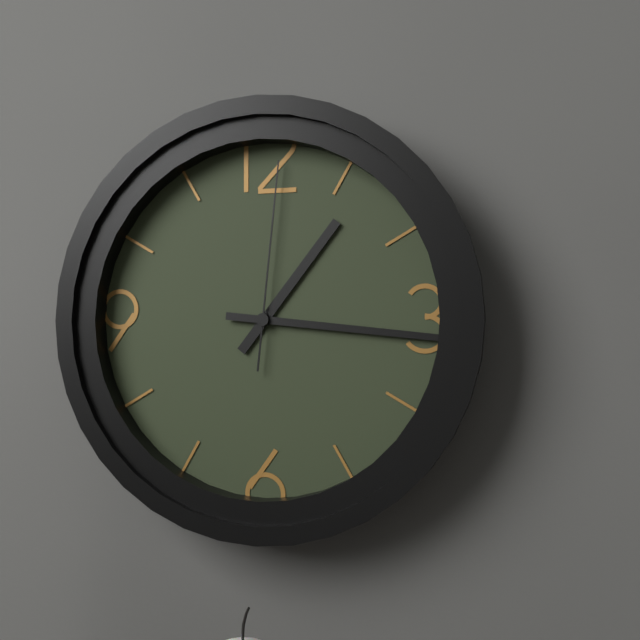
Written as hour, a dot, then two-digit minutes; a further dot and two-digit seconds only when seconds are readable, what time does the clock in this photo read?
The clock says 1.16.01
